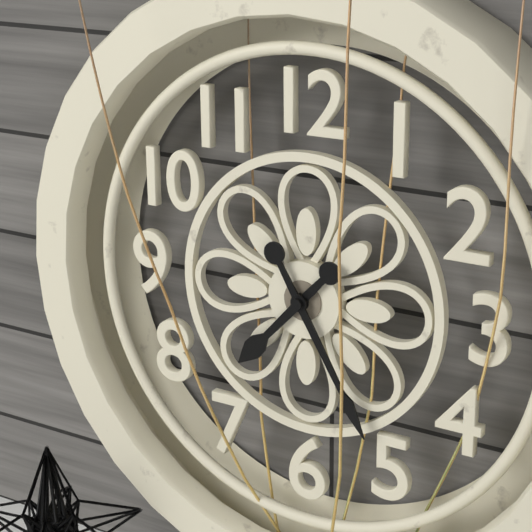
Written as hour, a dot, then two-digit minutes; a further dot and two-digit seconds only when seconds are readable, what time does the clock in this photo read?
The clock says 7.25
